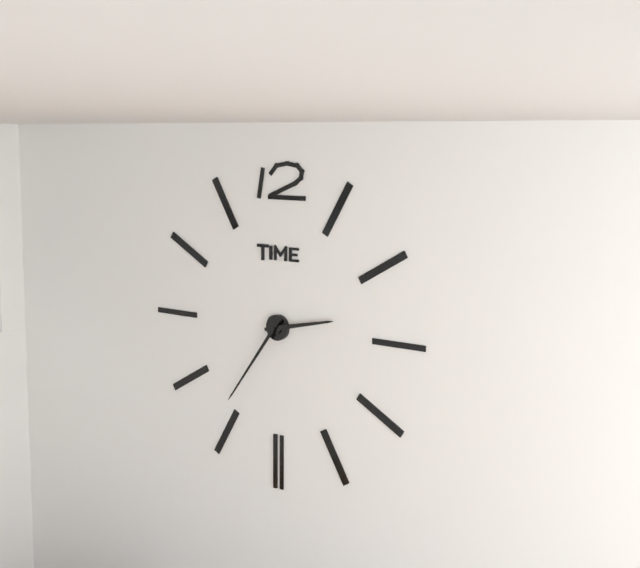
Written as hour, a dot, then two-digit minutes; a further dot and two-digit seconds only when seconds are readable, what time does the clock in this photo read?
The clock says 2.36
